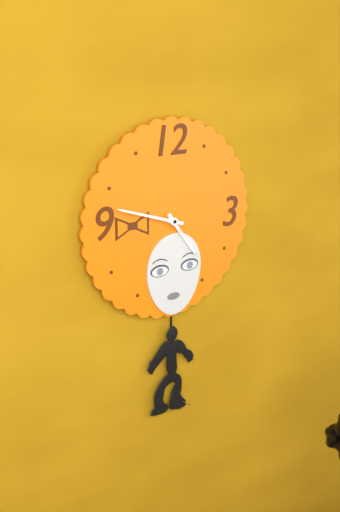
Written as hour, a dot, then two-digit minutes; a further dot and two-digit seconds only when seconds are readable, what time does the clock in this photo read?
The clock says 4.48
